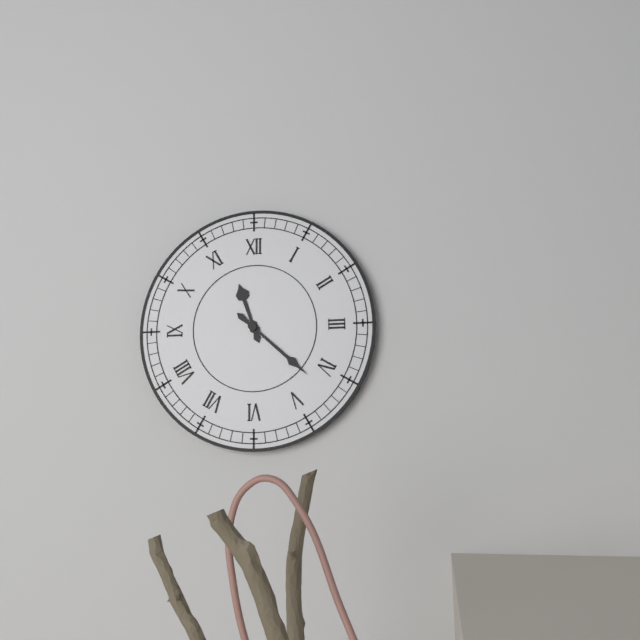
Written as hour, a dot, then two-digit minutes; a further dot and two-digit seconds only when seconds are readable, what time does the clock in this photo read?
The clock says 11.22
